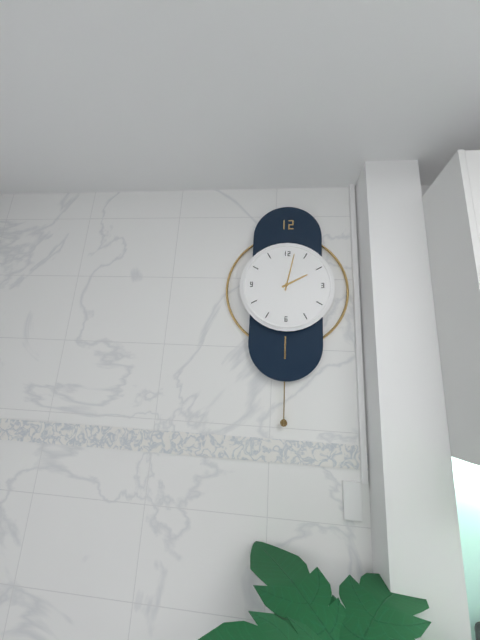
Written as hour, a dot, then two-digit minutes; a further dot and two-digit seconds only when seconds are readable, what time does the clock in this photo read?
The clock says 2.02
